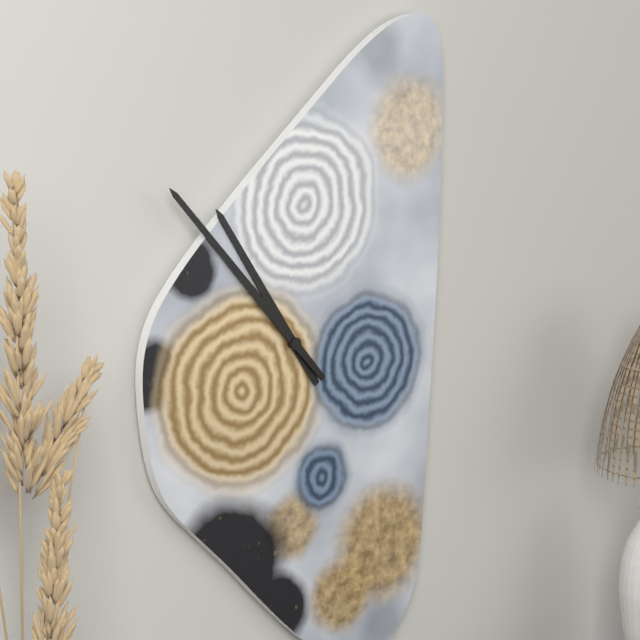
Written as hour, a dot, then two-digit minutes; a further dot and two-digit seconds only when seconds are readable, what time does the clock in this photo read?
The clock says 10.53
